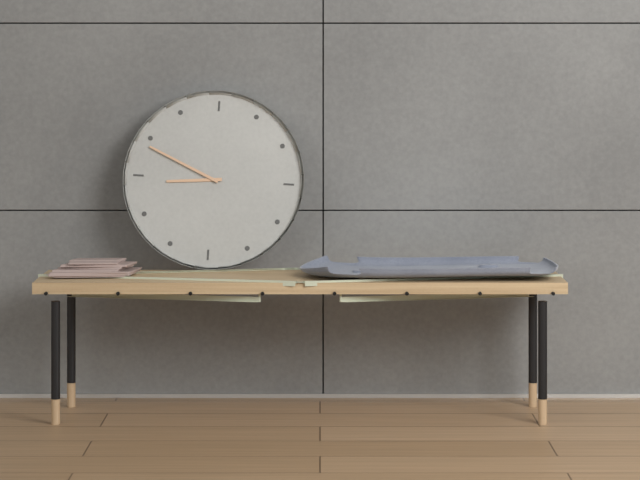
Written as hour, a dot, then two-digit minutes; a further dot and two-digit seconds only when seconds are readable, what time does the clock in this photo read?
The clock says 8.49
